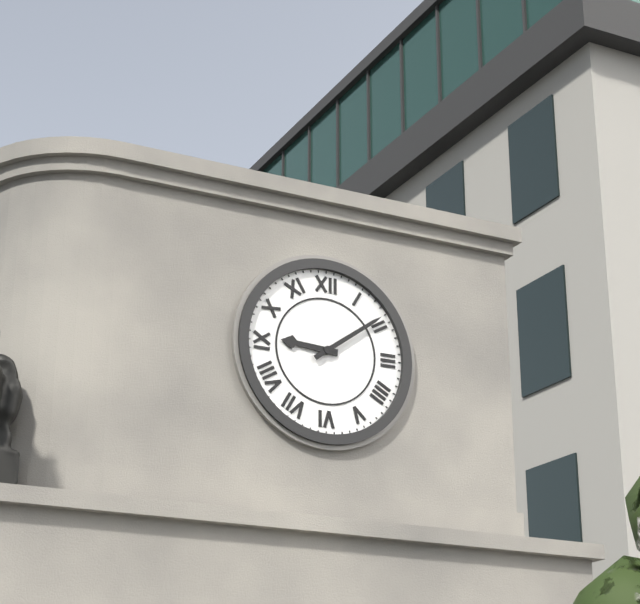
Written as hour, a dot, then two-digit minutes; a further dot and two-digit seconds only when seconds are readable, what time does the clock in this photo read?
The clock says 9.09
